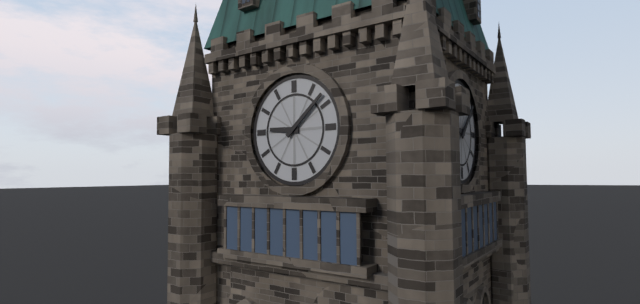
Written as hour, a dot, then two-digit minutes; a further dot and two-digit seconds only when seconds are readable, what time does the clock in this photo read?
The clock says 9.08
